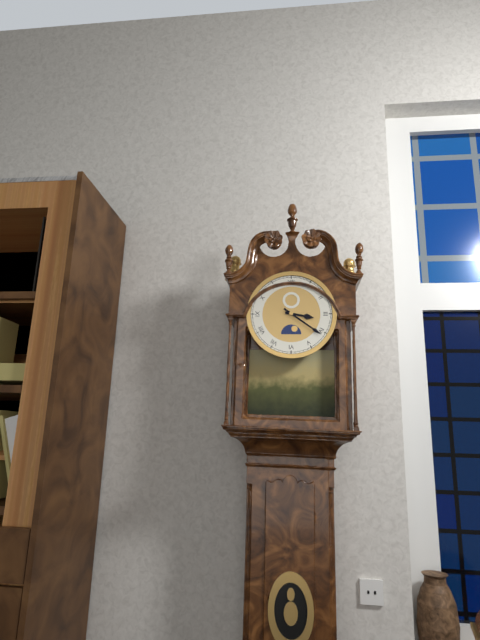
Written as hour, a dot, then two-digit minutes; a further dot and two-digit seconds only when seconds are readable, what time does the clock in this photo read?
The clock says 3.21
